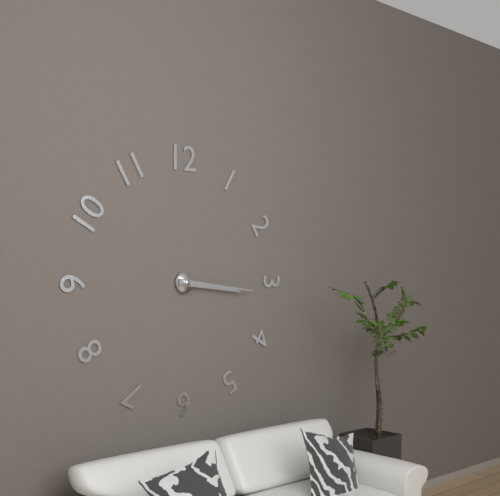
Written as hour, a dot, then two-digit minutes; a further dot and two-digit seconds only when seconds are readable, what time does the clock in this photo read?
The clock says 3.16
